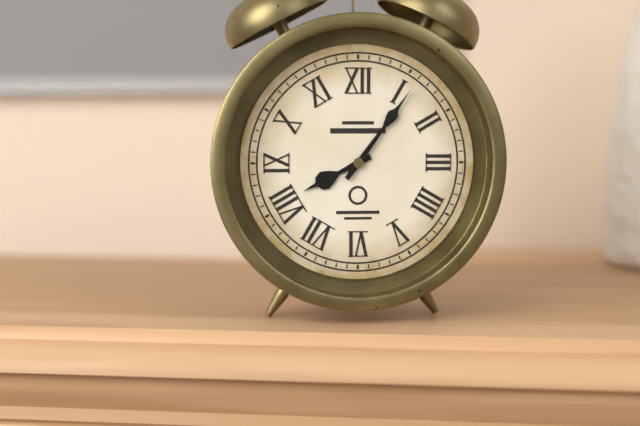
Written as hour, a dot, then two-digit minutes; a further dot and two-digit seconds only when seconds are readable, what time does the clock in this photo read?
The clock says 8.06
